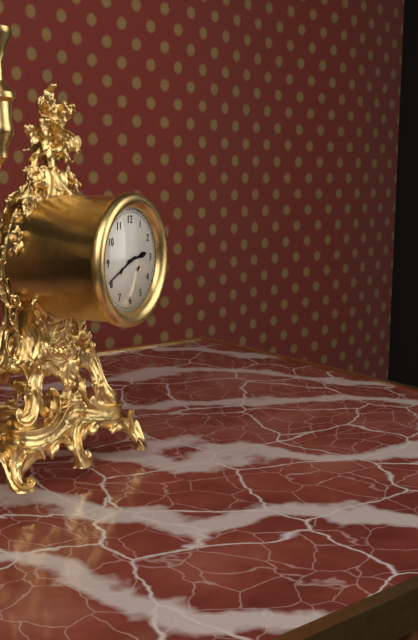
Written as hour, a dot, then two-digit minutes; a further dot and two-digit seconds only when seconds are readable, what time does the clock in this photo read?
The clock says 2.41
